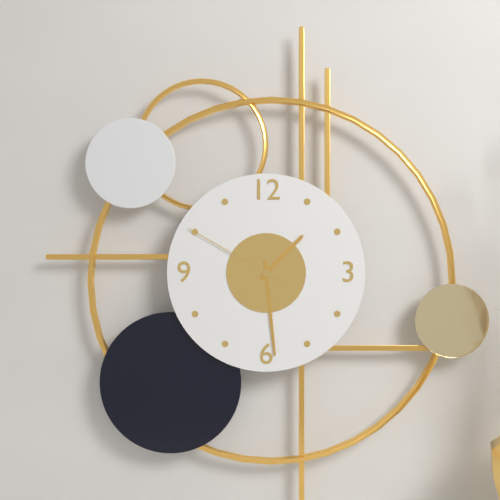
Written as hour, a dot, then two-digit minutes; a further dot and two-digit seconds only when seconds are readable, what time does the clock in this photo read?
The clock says 1.29.50
